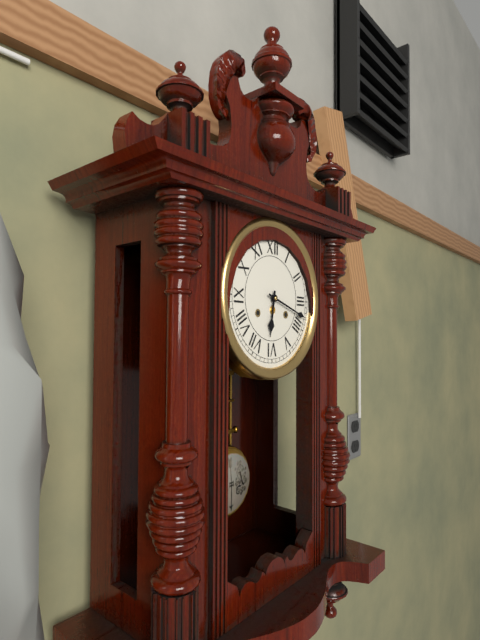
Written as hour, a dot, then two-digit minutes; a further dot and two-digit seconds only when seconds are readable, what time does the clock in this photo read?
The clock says 6.18
